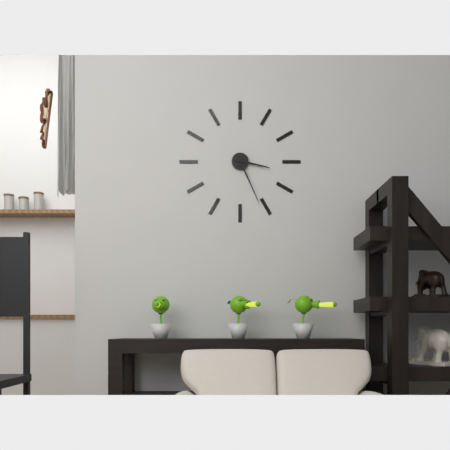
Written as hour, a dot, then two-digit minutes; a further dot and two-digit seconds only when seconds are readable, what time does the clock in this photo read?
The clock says 3.26
